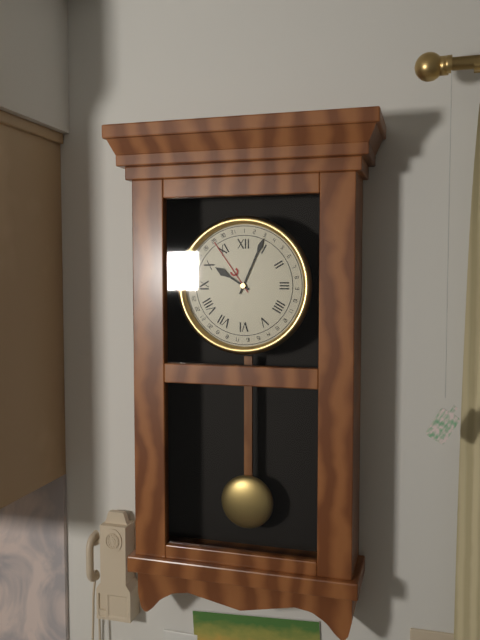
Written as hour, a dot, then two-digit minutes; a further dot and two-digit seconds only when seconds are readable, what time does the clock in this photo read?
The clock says 10.04
